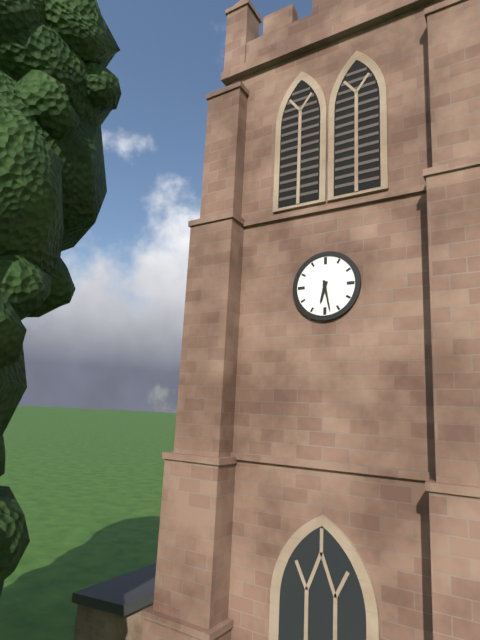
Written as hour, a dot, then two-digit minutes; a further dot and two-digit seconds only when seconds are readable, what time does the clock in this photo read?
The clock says 6.28
